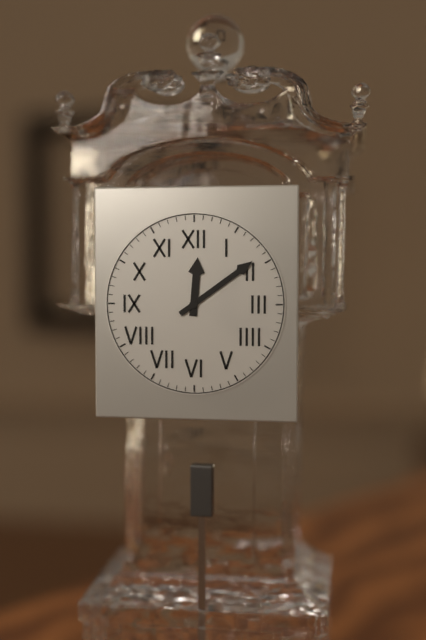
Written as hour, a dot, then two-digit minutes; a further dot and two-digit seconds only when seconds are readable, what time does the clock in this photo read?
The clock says 12.09
